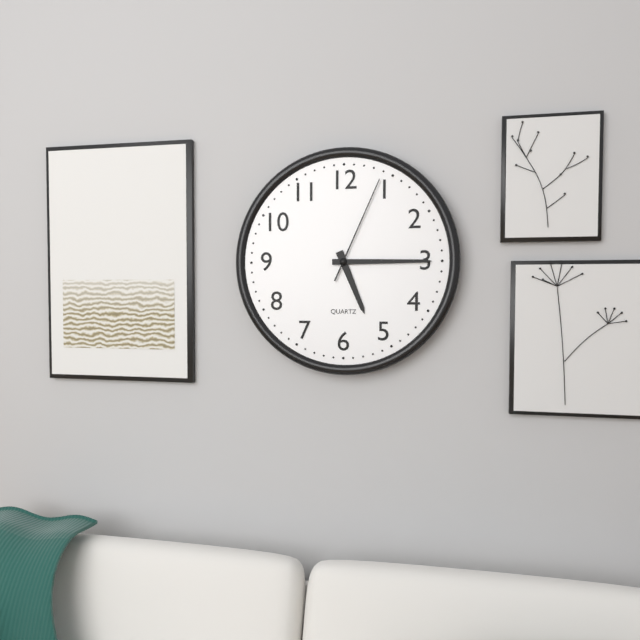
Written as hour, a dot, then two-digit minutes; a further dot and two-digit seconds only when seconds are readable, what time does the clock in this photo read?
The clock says 5.15.04
